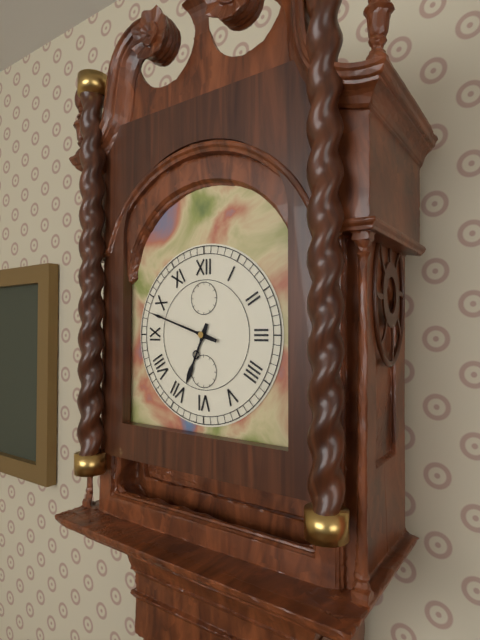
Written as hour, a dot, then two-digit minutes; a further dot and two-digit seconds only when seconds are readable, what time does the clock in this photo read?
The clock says 6.48
